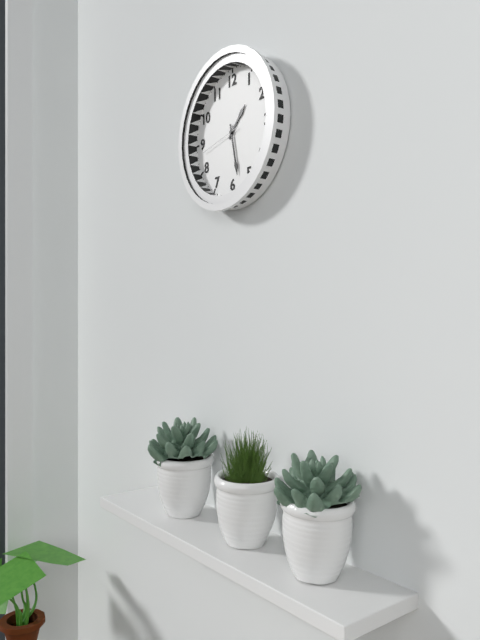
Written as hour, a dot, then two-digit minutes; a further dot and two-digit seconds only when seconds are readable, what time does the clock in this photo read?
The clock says 1.28
